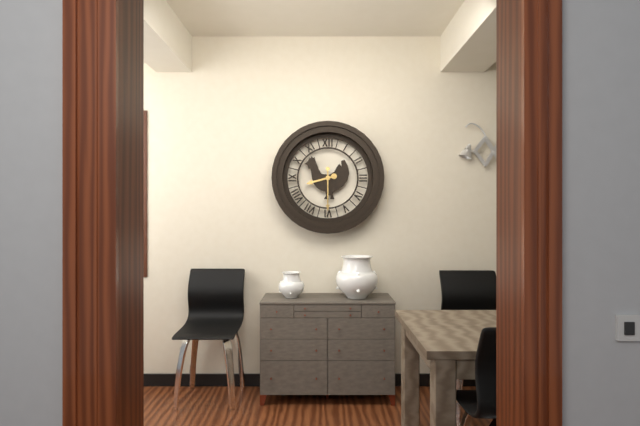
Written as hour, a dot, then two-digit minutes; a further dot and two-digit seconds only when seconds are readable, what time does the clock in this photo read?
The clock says 8.30
